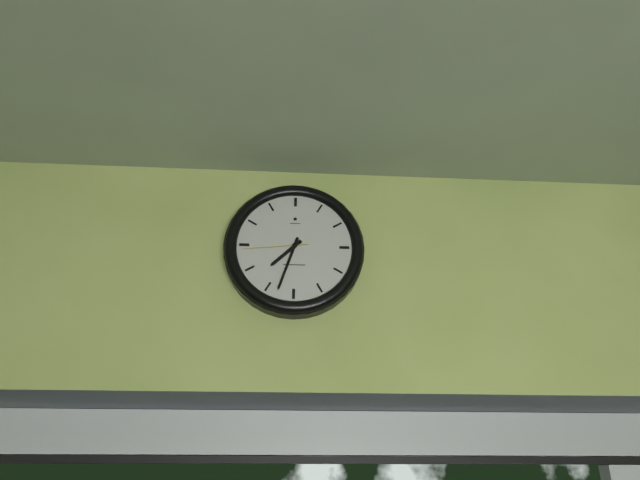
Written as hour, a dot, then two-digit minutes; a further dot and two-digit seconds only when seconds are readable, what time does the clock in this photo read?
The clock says 7.33.44
